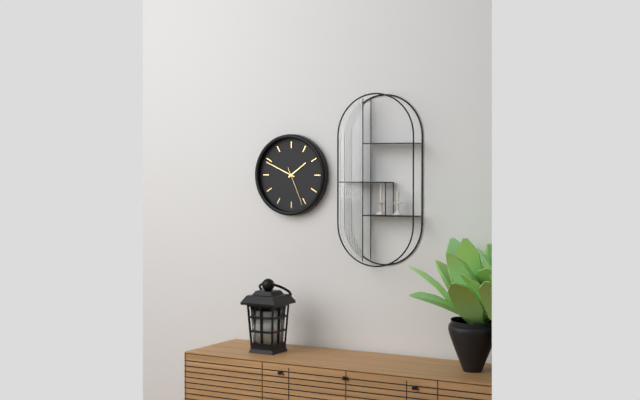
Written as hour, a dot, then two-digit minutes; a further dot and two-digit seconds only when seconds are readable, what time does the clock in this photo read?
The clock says 1.49
